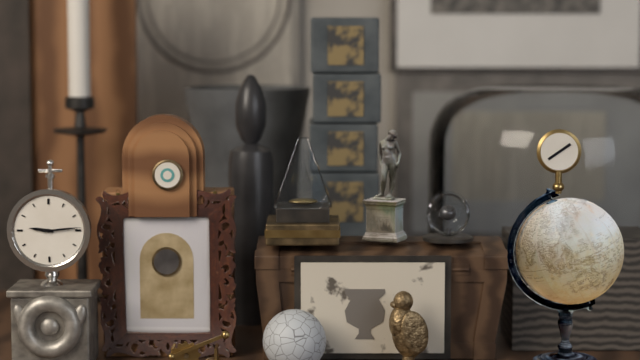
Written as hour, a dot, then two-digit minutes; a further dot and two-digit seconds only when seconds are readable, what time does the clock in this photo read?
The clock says 9.14
